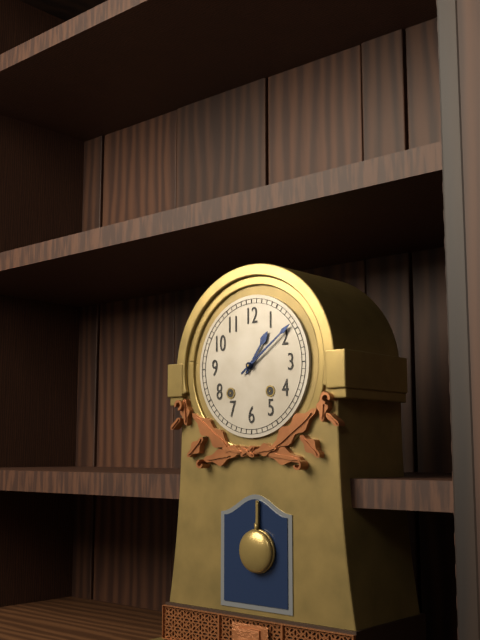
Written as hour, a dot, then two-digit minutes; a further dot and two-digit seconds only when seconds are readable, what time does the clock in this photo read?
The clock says 1.09
